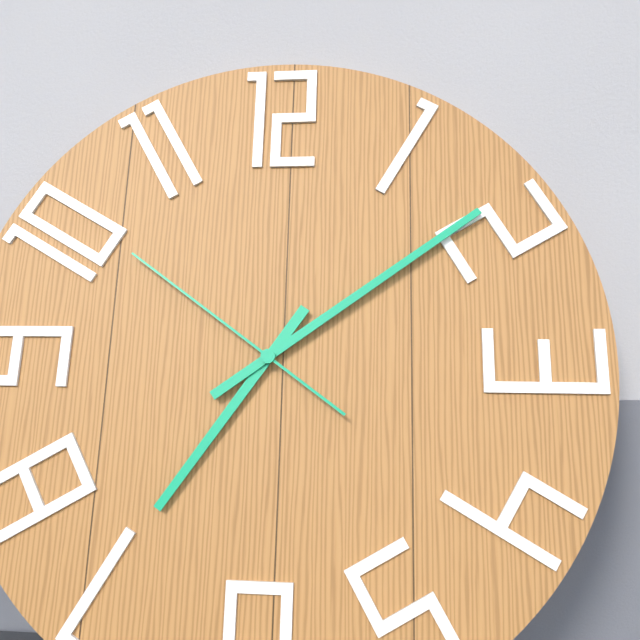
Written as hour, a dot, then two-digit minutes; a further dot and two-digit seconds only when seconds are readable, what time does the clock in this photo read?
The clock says 7.09.51
